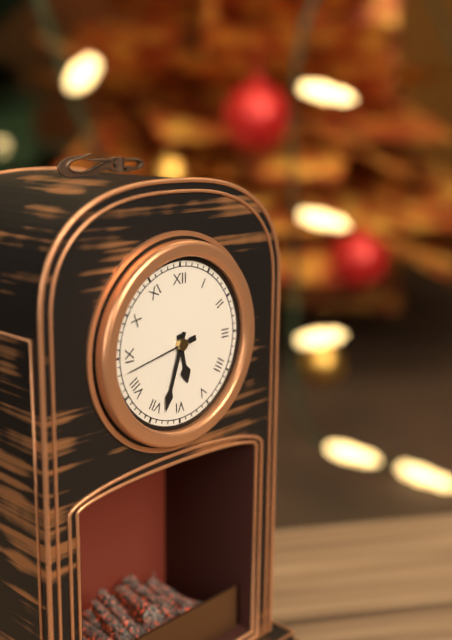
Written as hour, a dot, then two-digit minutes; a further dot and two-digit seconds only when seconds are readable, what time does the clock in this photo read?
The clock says 5.33.43
